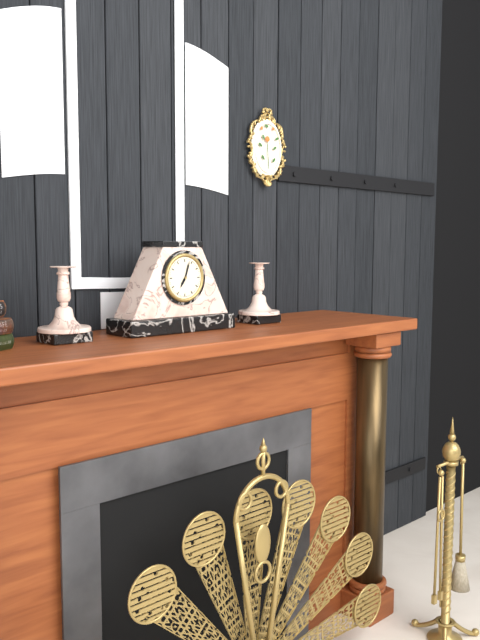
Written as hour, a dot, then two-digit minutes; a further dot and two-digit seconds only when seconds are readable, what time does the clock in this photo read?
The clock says 7.03
